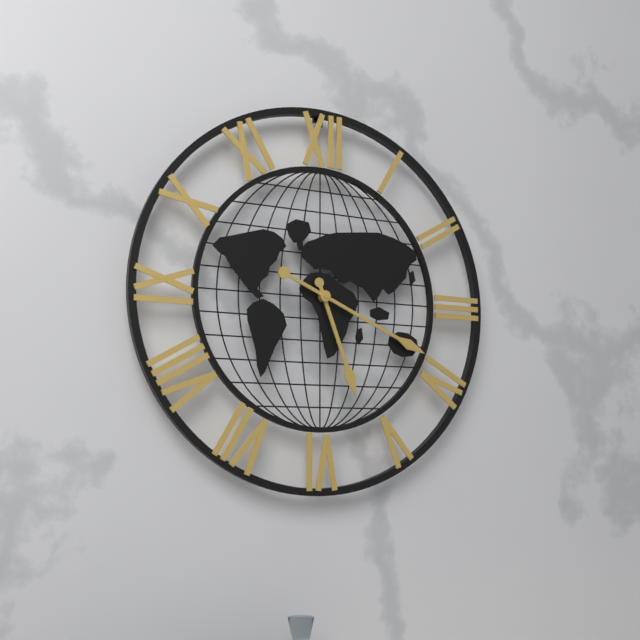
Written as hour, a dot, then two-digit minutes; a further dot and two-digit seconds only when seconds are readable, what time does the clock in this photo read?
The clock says 5.19
